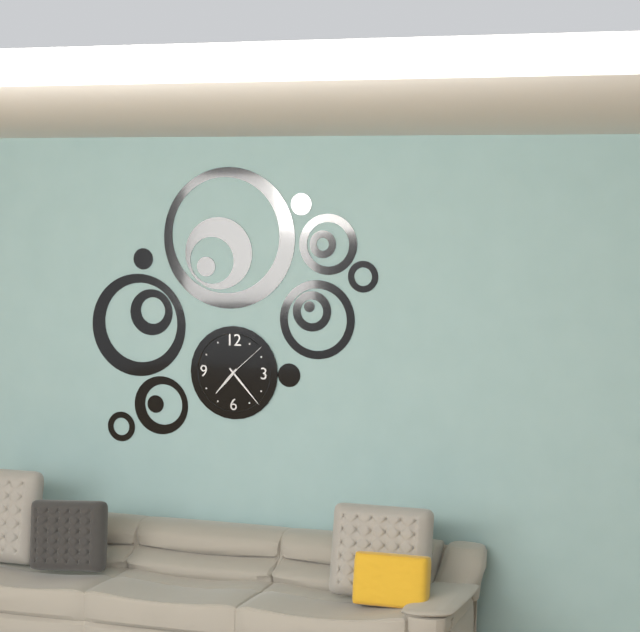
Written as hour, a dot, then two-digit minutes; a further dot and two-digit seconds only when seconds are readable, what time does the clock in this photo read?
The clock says 7.23
